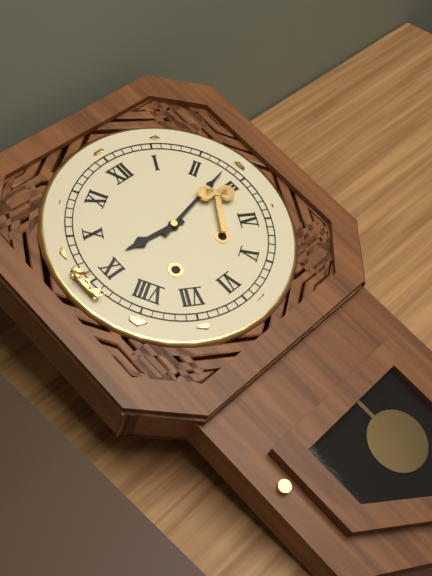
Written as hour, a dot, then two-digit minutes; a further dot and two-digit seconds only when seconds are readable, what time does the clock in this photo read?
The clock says 9.13
